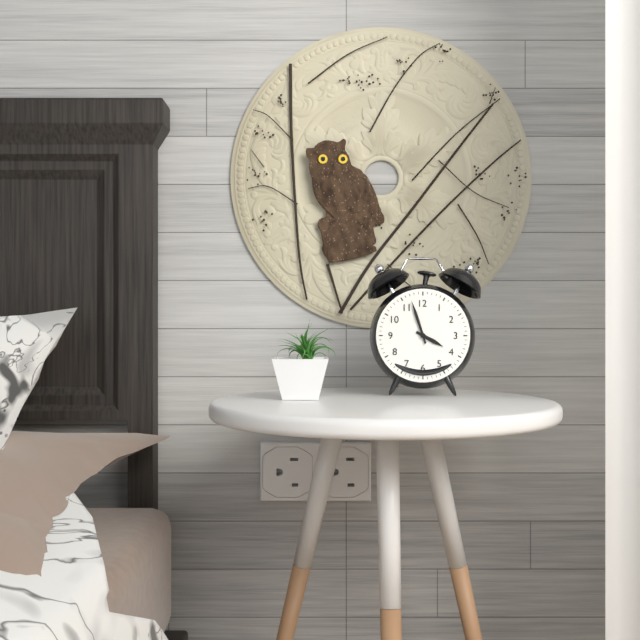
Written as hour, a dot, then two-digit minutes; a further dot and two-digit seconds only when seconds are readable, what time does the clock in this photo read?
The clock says 3.57
